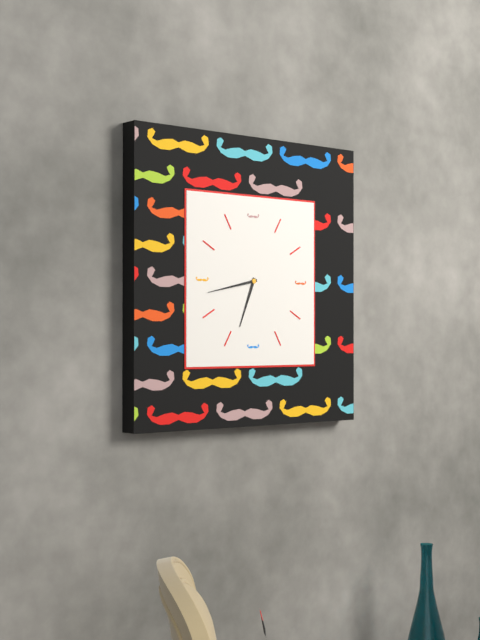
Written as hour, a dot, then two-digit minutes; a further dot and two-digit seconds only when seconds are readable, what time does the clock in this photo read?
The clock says 6.43
